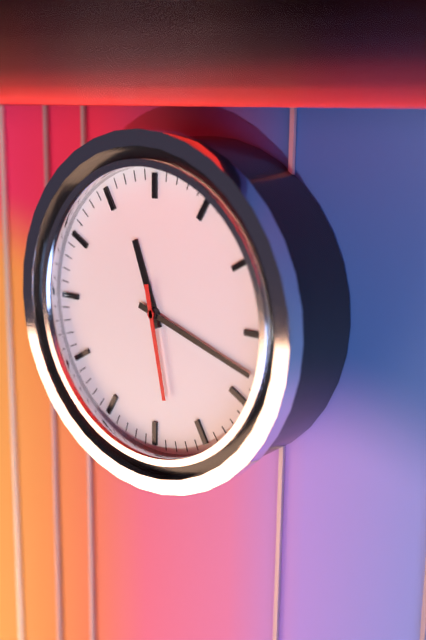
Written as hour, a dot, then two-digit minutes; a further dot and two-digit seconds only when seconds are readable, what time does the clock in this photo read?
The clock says 11.18.28
